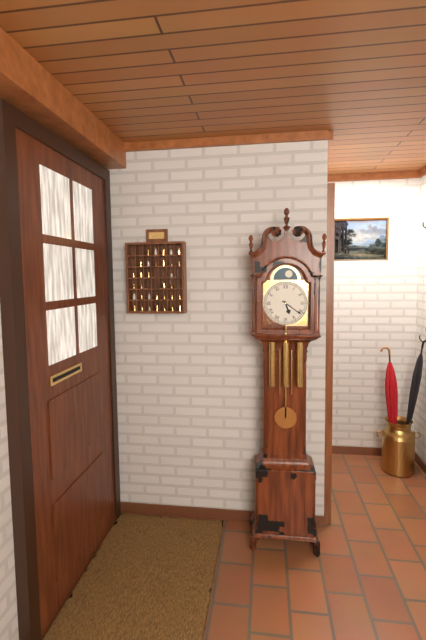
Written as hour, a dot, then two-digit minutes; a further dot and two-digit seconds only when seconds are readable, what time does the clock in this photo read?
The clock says 5.21
